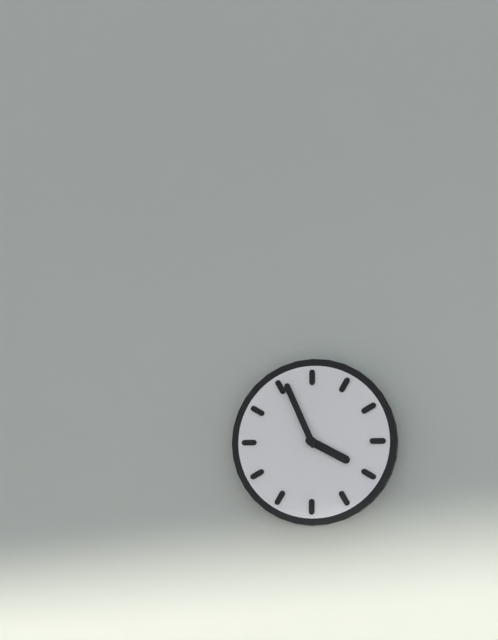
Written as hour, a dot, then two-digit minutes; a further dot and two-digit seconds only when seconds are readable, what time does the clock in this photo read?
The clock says 3.56
